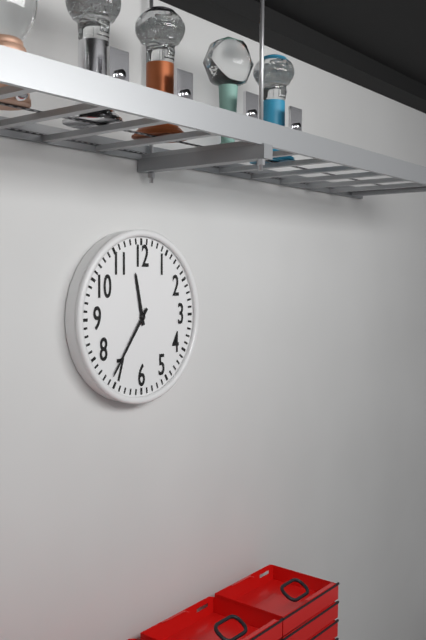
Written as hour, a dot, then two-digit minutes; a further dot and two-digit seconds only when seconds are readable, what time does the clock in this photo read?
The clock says 11.36
